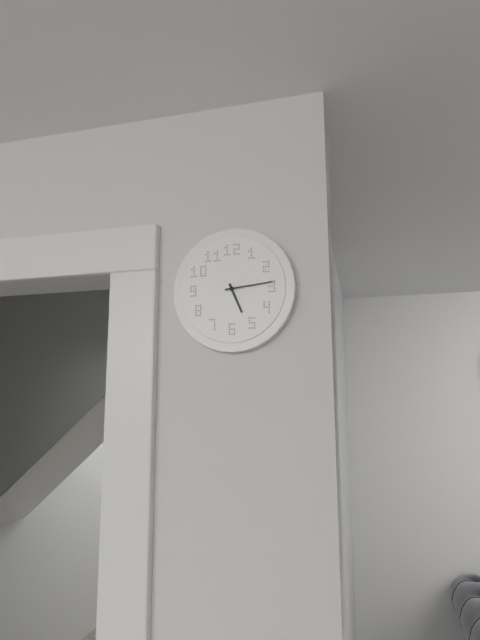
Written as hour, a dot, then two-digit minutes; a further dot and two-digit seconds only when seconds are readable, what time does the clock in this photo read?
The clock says 5.14
